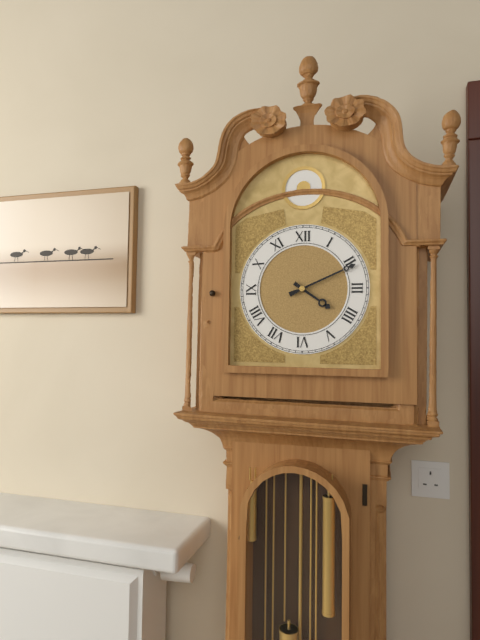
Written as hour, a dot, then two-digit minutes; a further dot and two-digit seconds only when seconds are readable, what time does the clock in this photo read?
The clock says 4.11
